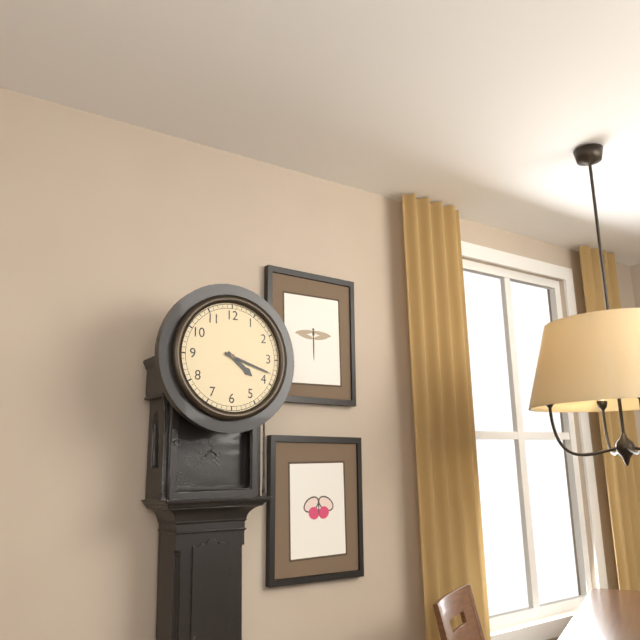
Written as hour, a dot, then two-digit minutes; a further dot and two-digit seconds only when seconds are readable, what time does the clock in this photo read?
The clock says 4.18
